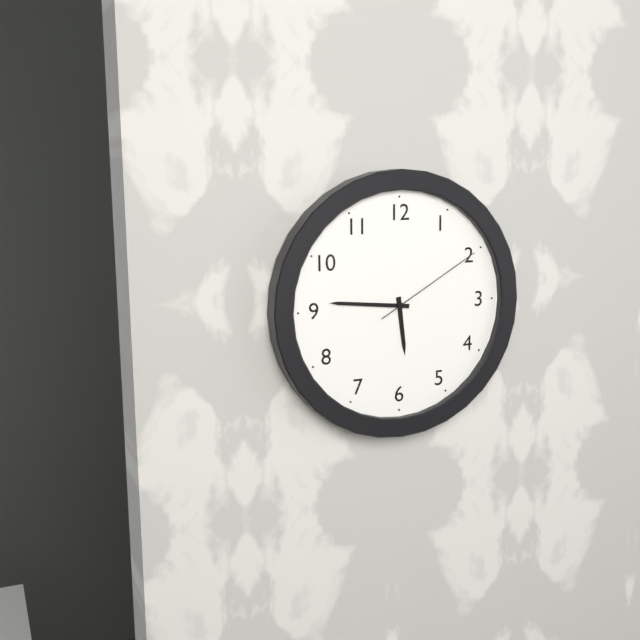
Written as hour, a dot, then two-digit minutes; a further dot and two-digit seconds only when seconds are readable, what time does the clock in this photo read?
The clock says 5.46.10
